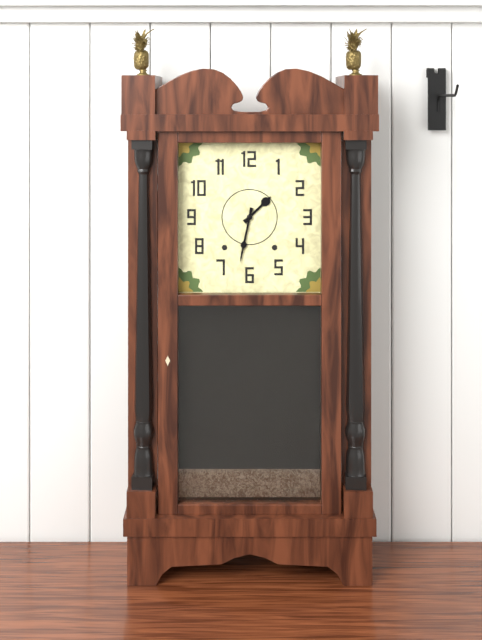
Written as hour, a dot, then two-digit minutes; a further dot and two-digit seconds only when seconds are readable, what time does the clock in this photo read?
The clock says 1.32
